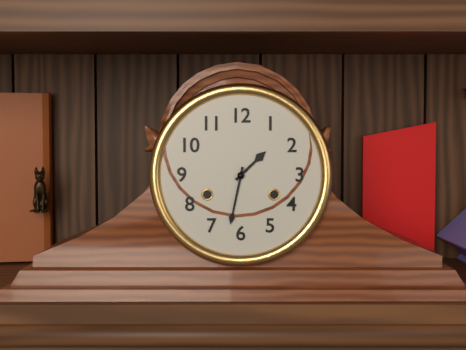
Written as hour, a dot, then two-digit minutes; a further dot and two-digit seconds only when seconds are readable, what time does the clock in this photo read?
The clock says 1.32
